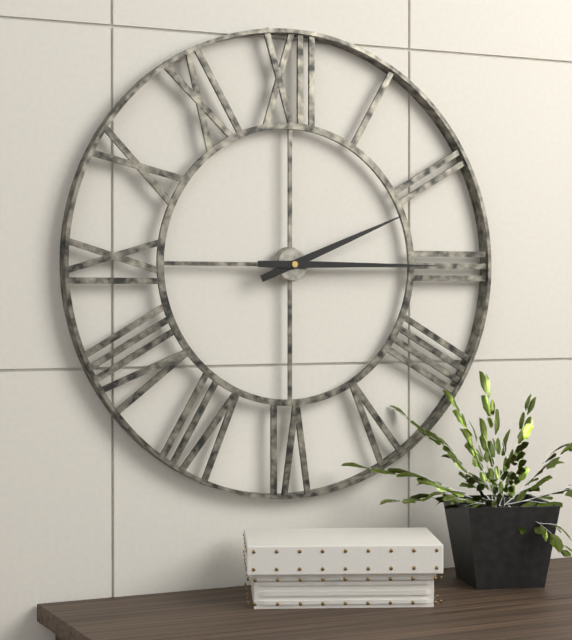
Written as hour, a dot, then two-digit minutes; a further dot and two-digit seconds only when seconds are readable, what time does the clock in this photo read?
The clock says 2.15
